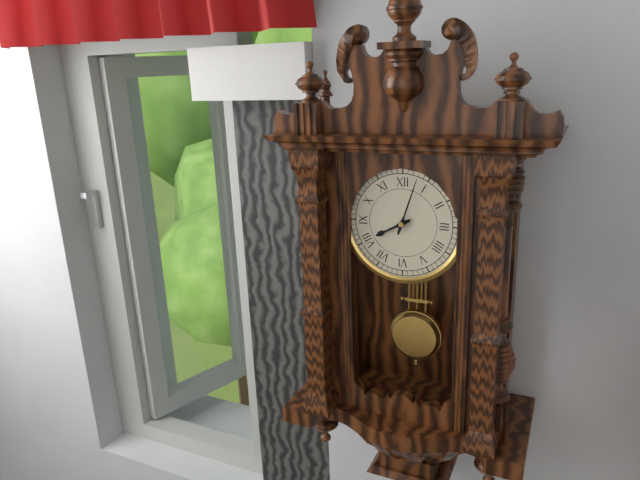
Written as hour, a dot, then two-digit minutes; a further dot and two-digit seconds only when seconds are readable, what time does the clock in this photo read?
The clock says 8.03
